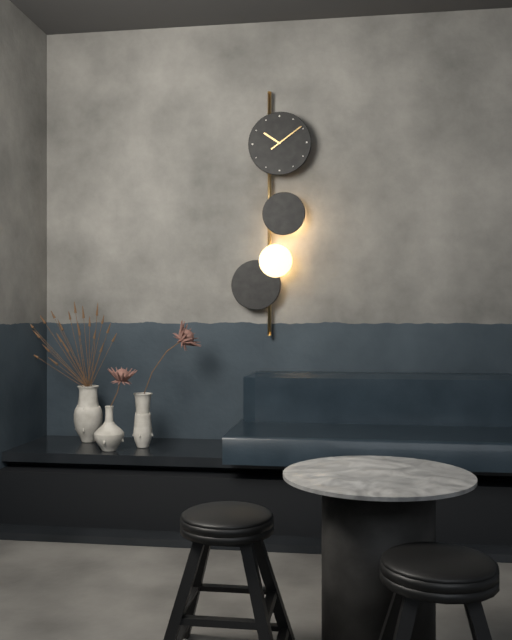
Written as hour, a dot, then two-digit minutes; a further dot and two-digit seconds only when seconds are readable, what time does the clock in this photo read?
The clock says 10.09
